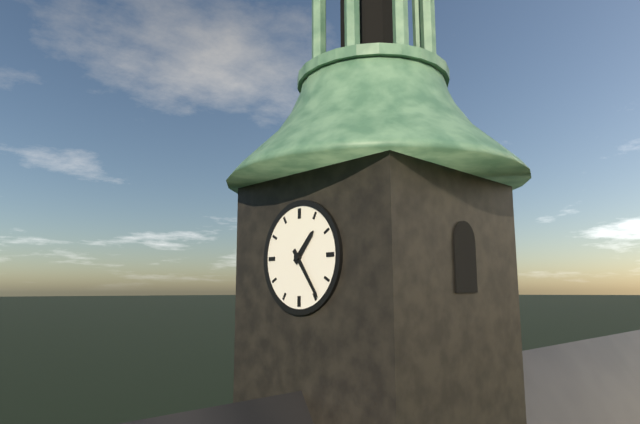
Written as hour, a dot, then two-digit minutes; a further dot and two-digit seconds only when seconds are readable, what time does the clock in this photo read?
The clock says 1.24
